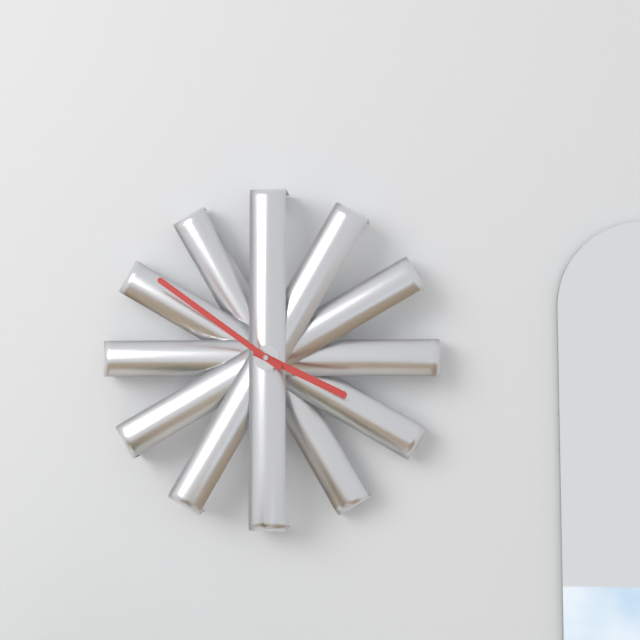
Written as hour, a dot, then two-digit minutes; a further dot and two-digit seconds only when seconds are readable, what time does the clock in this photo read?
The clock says 3.51
